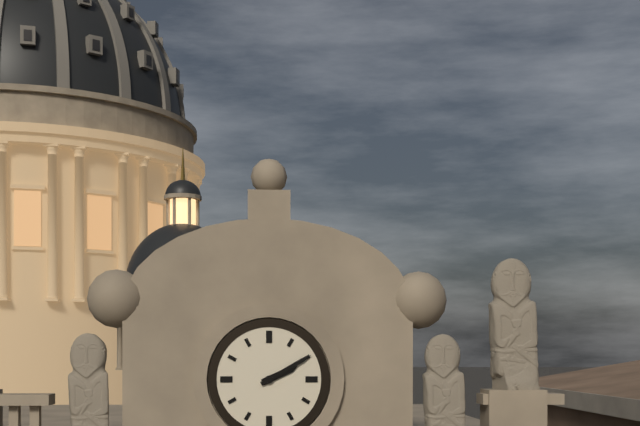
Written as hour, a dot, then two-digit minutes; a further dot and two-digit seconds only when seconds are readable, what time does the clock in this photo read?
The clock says 2.10
